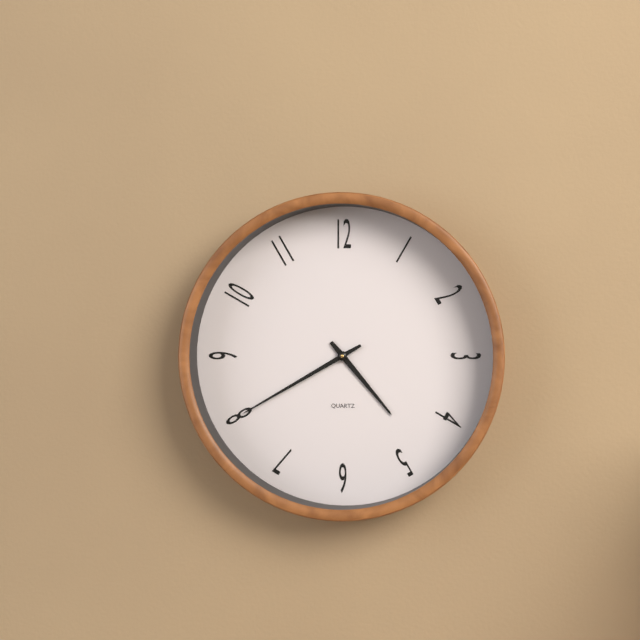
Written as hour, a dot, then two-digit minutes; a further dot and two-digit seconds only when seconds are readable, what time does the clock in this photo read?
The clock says 4.40
